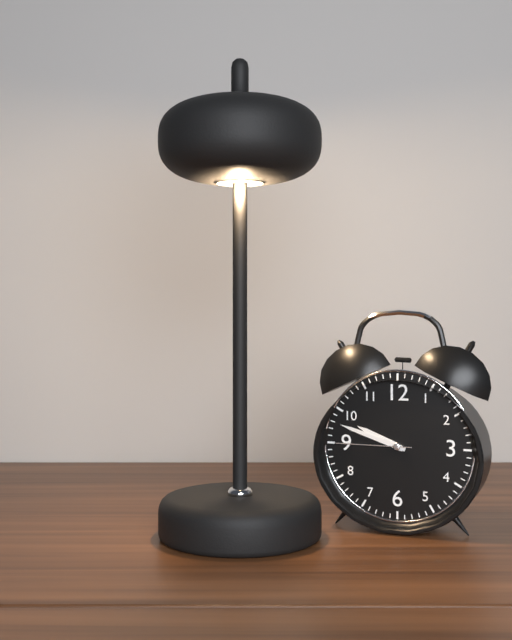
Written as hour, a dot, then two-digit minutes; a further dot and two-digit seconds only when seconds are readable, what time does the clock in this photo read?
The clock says 9.48.45
